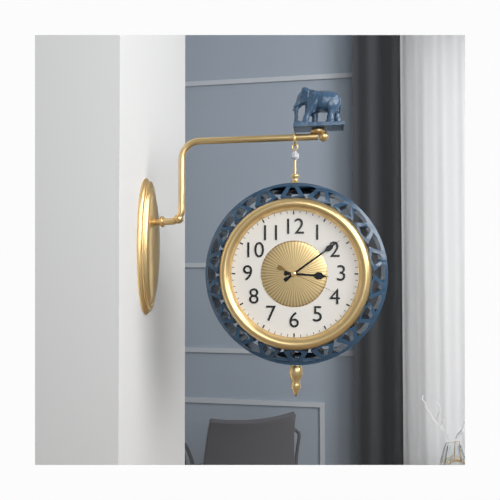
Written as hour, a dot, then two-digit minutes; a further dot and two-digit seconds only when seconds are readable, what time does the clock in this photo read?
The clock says 3.09.19
